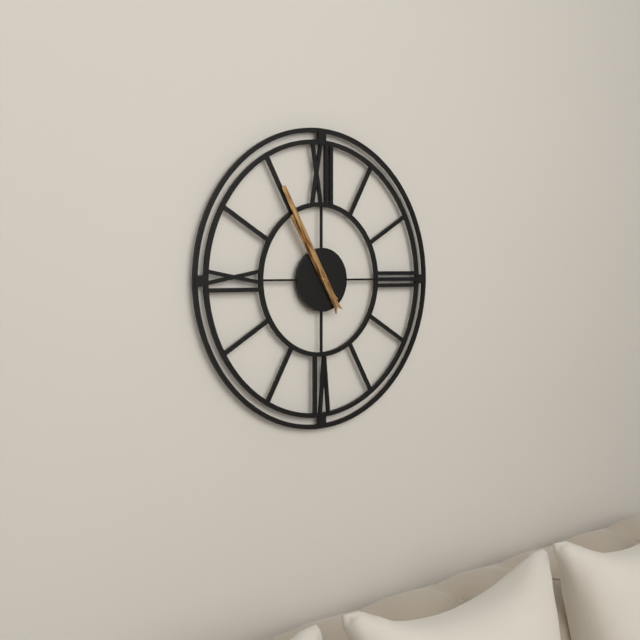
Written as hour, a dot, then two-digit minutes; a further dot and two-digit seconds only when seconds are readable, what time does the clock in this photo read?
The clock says 10.55
